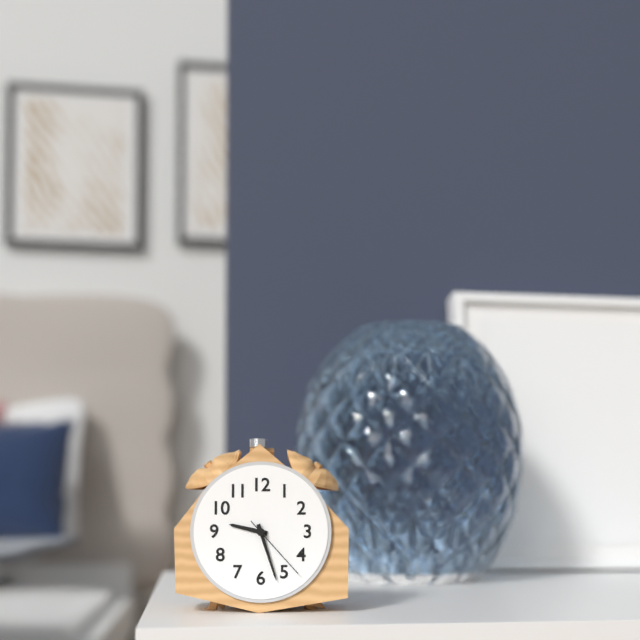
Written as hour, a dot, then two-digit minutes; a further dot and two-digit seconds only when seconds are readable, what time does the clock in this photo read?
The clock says 9.27.23
